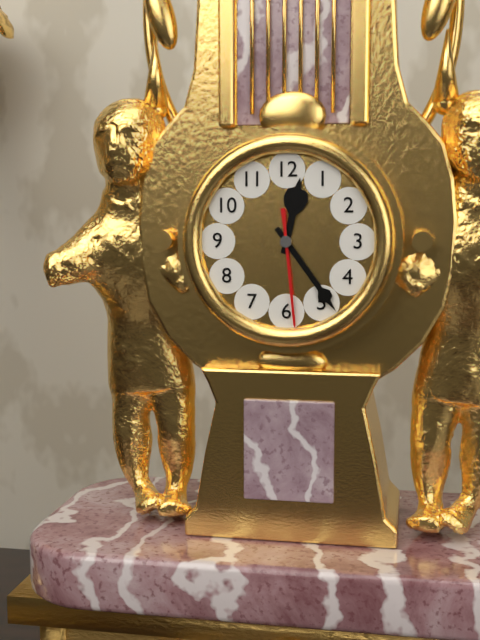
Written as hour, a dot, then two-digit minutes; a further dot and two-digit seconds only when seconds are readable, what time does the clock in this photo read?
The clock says 12.24.29
